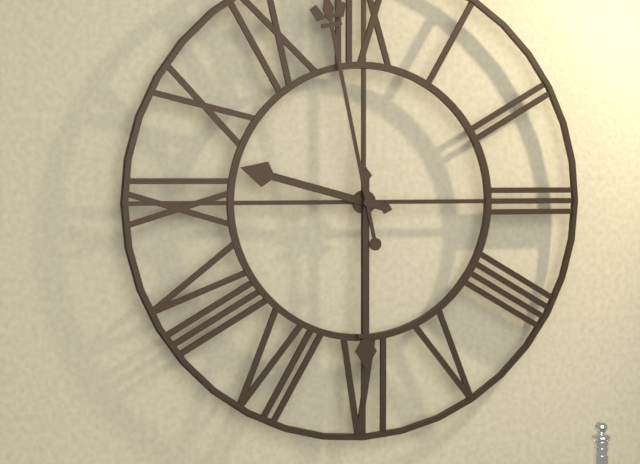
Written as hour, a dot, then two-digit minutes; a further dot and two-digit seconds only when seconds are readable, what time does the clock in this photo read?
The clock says 9.30
